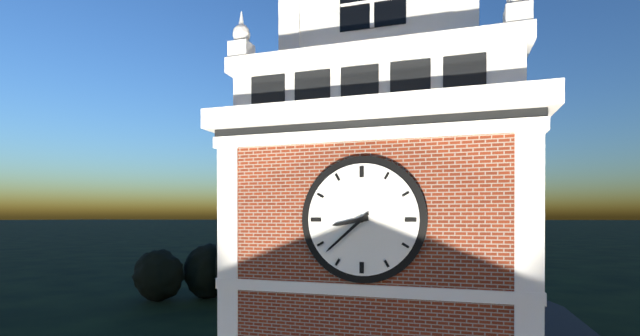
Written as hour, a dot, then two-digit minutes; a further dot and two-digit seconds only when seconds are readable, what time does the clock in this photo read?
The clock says 8.38
